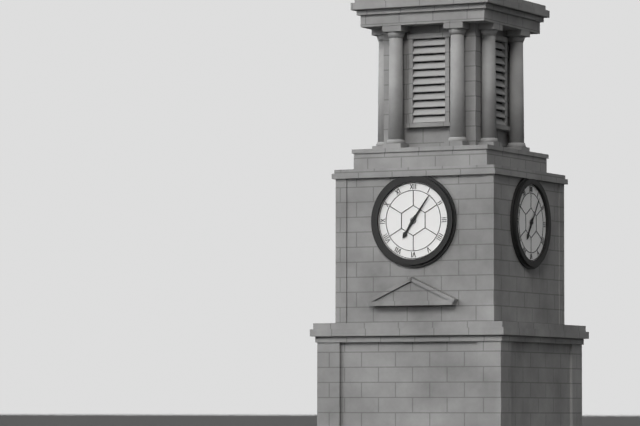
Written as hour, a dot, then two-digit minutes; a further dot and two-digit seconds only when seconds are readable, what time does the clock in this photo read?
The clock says 7.06
